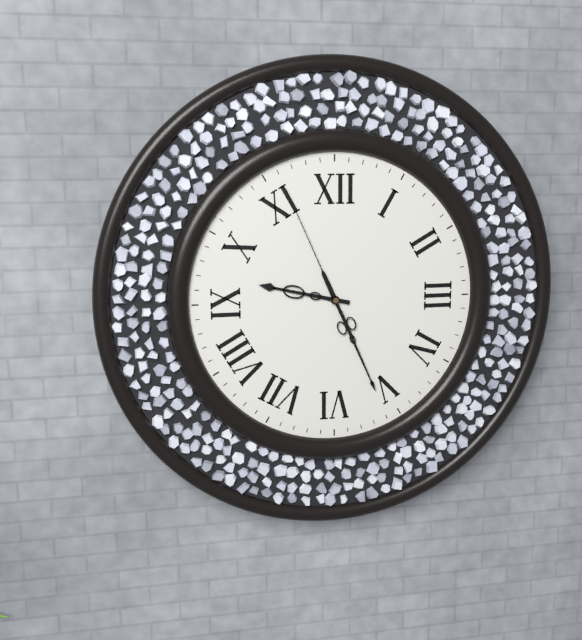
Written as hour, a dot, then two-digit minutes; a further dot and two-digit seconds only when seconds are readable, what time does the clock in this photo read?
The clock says 9.26.56
